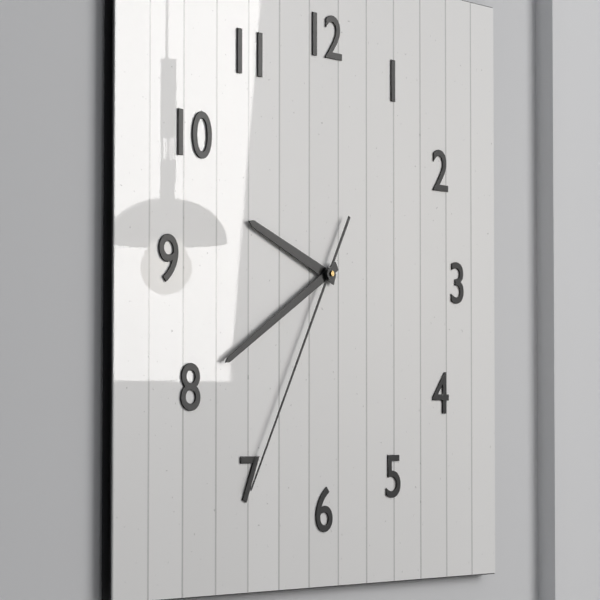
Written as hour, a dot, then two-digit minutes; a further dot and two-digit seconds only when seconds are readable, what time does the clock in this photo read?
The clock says 9.40.35
